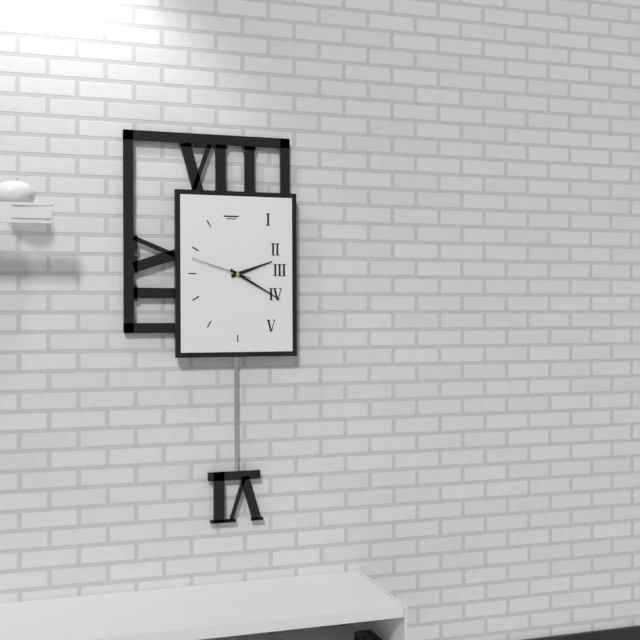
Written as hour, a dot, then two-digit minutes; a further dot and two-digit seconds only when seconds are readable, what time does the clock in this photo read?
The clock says 2.20.48
